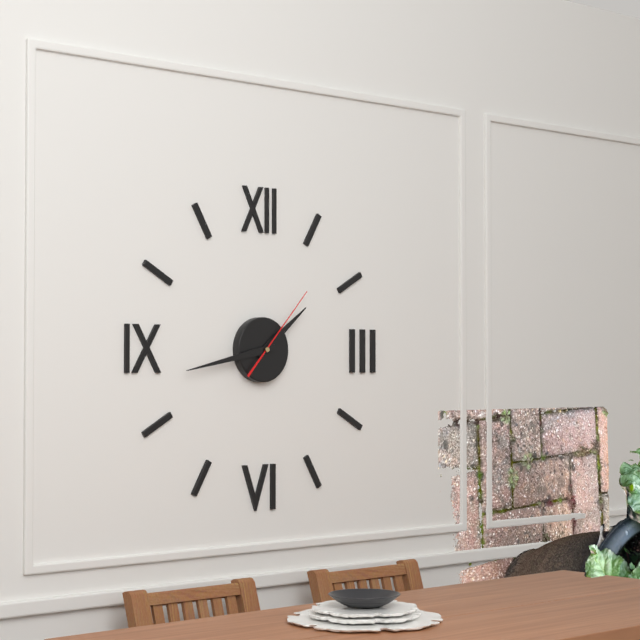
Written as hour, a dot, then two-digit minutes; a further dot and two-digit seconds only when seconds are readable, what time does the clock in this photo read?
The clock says 1.43.07
